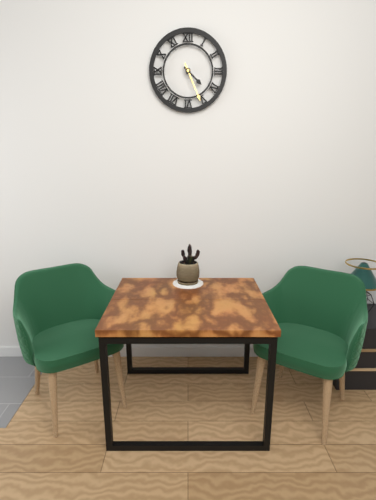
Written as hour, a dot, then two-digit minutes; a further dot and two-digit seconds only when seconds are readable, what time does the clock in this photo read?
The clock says 4.26
